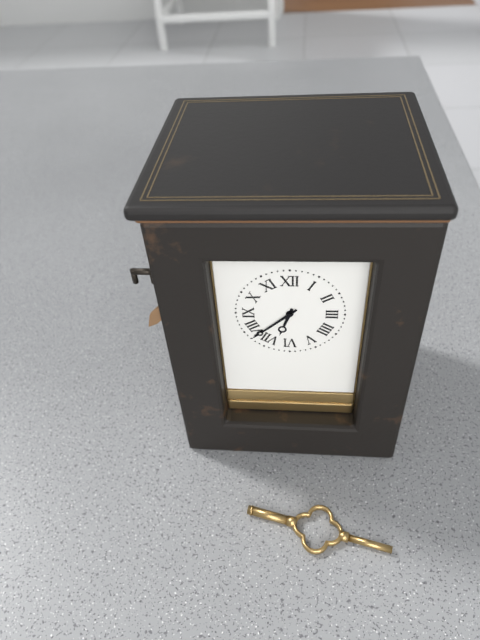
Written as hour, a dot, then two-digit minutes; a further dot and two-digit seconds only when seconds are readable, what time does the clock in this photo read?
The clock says 6.38
